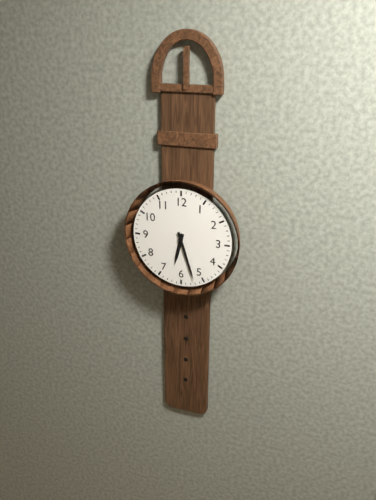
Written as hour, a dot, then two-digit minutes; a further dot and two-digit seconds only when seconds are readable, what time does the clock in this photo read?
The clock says 6.27
